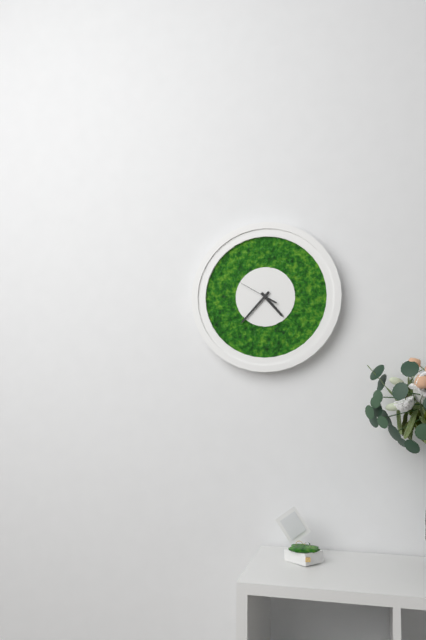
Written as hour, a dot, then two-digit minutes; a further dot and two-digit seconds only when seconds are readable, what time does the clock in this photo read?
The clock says 4.37
